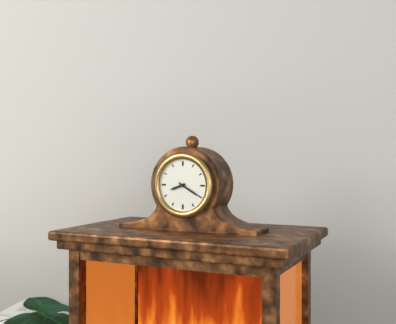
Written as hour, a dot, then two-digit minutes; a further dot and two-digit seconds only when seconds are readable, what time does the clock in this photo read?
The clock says 8.20
